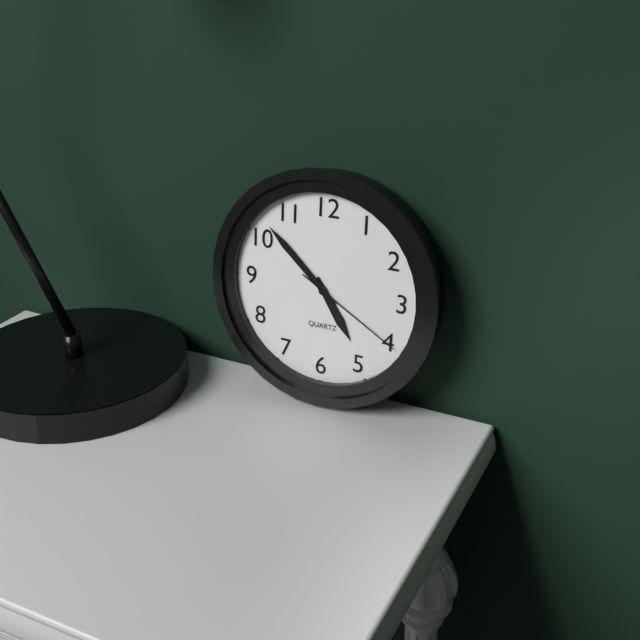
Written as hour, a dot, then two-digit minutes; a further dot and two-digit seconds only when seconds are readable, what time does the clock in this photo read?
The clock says 4.52.20
